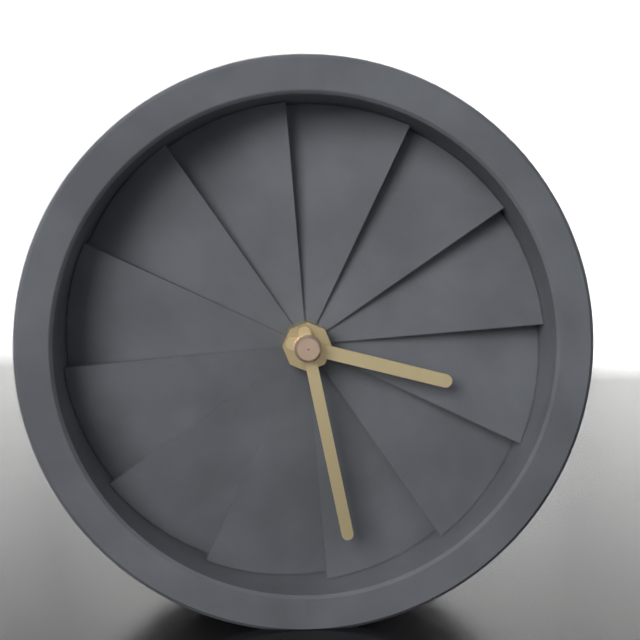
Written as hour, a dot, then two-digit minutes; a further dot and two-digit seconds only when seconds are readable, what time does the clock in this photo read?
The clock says 3.28
